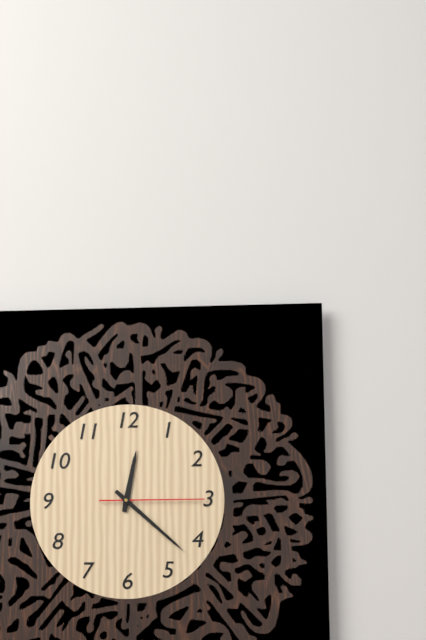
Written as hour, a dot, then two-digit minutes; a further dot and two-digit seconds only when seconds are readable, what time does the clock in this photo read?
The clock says 12.22.15
